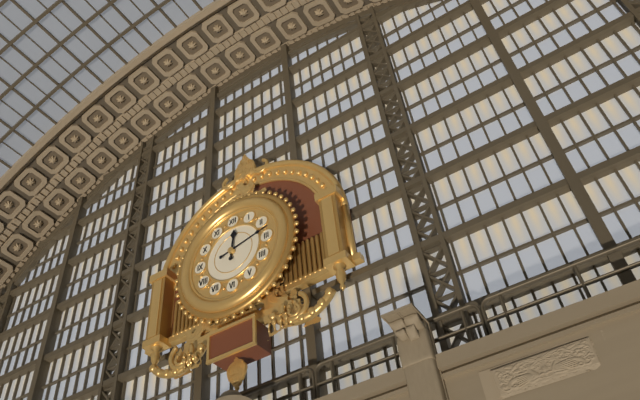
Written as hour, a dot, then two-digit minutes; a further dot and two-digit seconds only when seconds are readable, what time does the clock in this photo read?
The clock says 12.13
